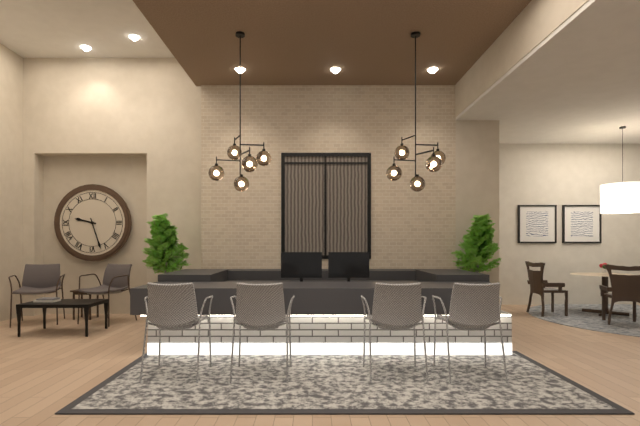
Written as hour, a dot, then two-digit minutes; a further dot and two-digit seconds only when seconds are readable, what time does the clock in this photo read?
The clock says 9.27
